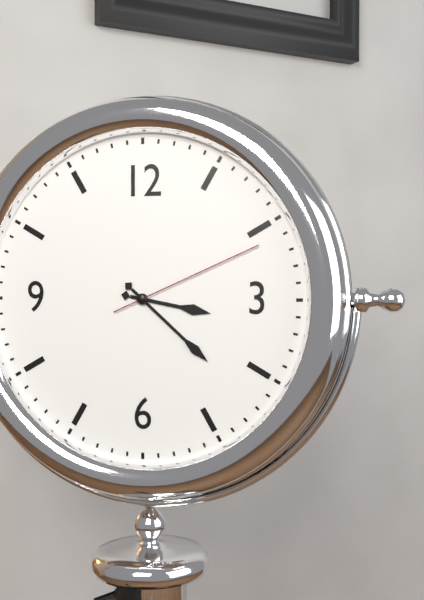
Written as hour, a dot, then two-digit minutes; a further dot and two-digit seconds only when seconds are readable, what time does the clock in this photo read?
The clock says 3.22.11
